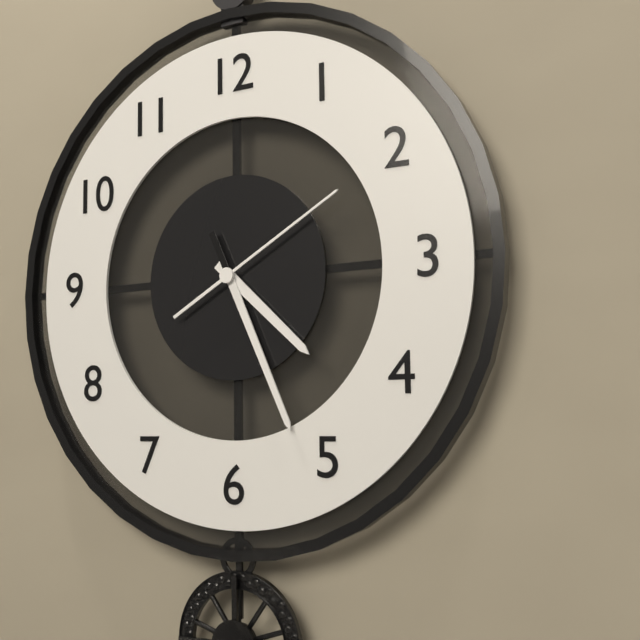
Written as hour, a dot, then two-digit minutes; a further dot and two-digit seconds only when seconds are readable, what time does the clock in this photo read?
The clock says 4.26.10
